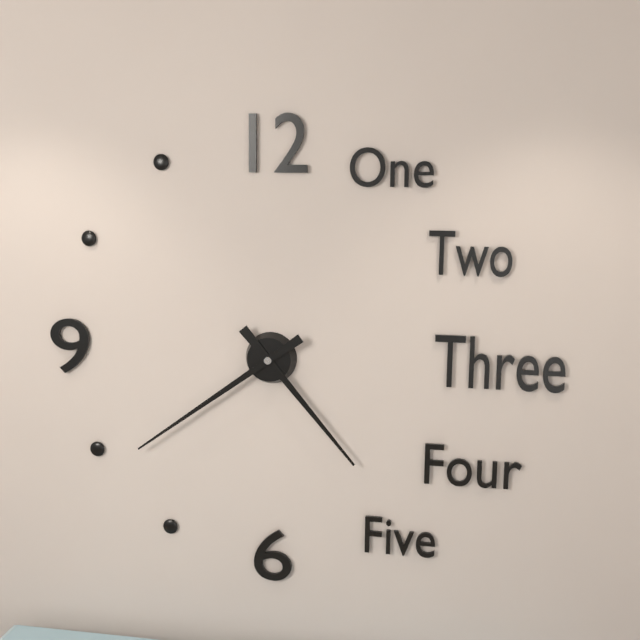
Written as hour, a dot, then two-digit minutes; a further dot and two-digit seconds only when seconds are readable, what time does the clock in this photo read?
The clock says 4.39
